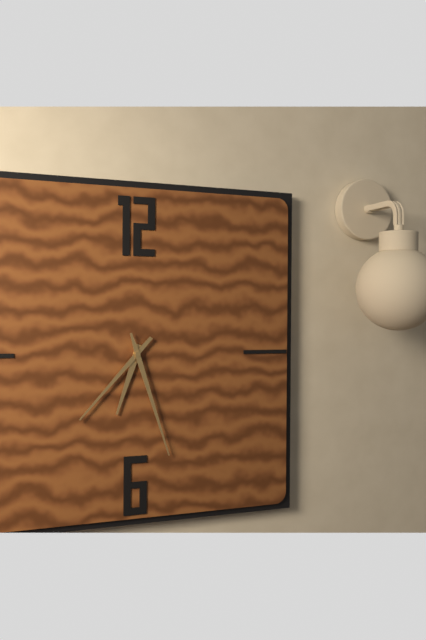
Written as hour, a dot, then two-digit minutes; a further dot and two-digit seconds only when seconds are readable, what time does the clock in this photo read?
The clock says 6.37.27
